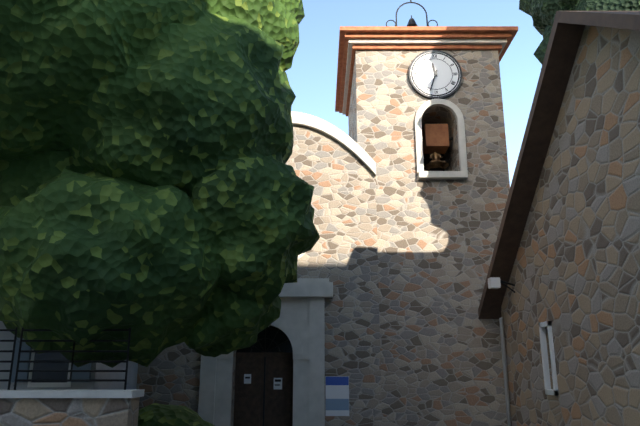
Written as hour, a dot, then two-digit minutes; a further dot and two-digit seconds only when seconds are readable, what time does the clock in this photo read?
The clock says 11.33
